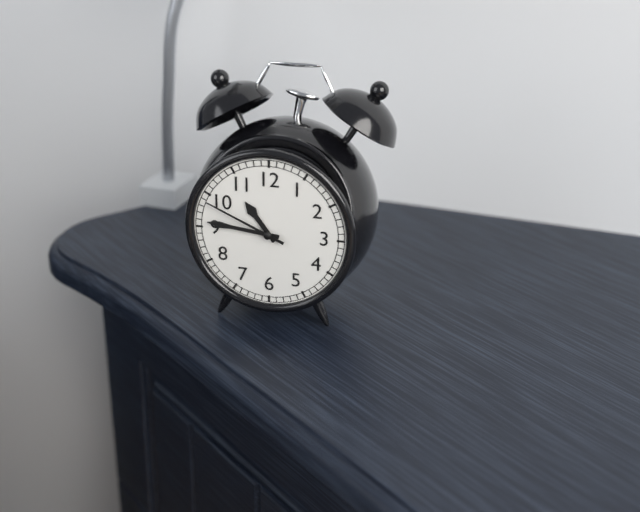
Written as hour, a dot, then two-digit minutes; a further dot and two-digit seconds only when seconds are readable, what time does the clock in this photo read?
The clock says 10.46.49
